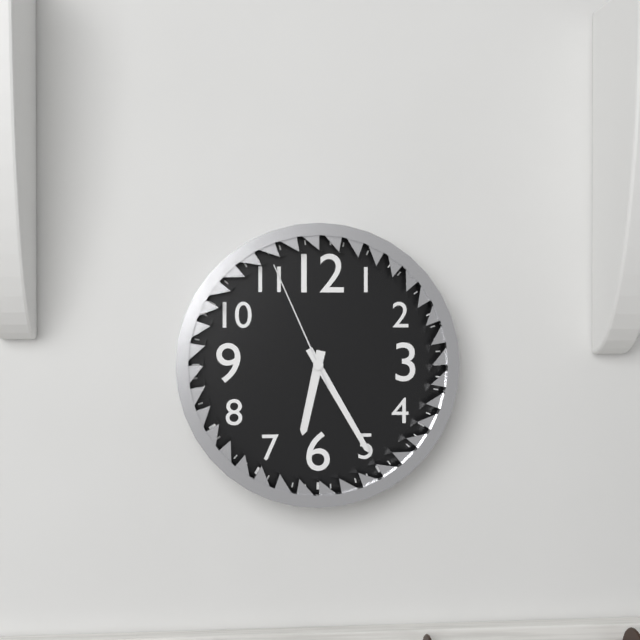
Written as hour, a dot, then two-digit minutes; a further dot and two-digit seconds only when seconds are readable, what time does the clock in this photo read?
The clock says 6.25.56
